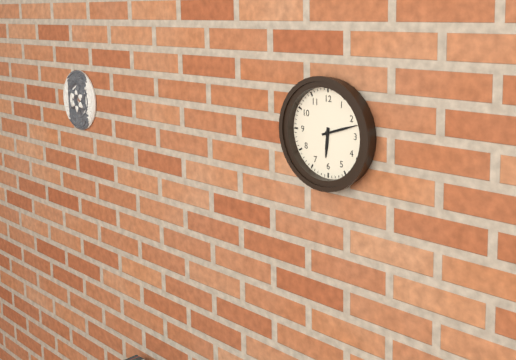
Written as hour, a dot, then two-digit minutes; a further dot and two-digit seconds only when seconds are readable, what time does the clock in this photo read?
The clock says 6.12
